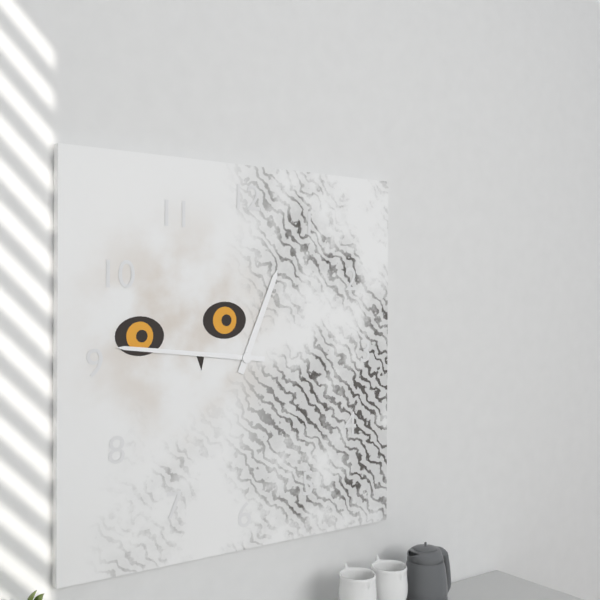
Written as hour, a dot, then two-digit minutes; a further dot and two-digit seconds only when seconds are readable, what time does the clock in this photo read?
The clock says 12.46
